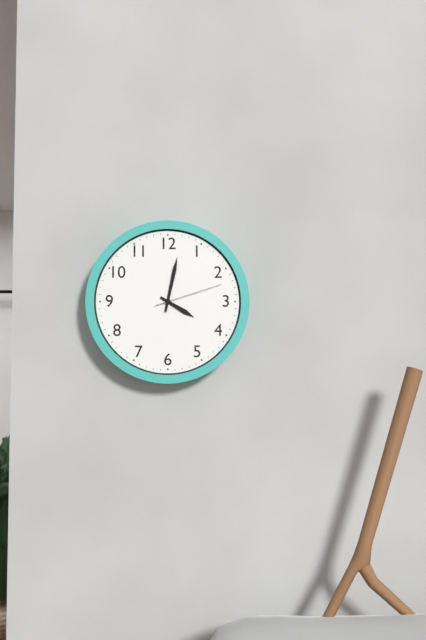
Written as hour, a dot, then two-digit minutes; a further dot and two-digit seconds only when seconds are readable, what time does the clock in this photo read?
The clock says 4.02.12
